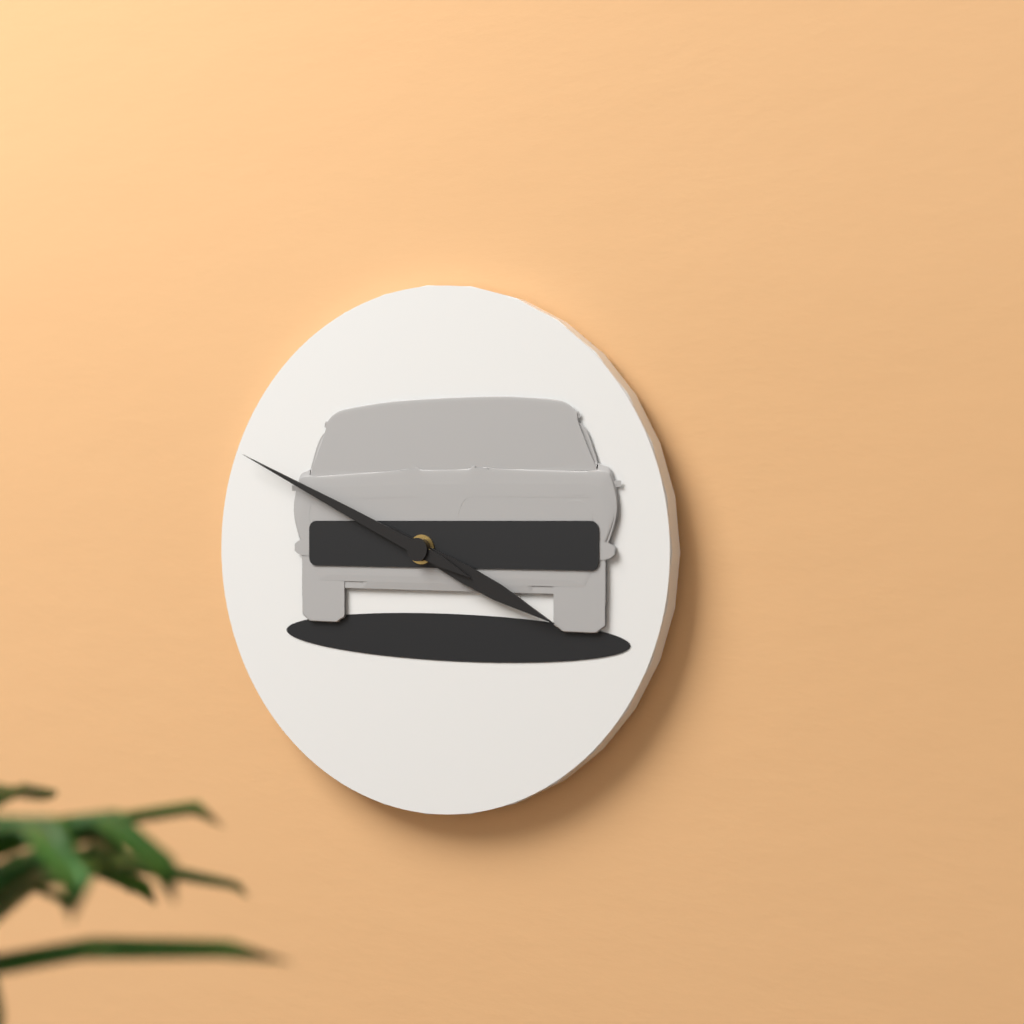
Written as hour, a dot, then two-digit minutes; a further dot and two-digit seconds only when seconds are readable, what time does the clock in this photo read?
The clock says 3.49
